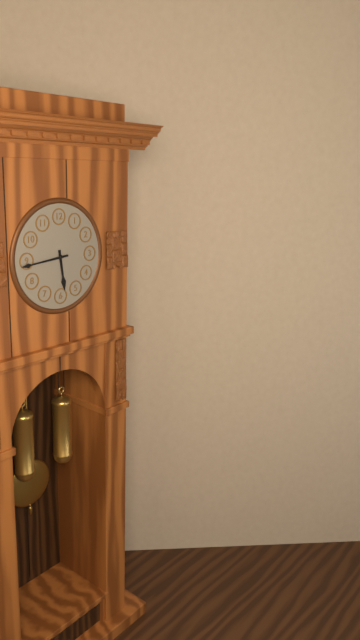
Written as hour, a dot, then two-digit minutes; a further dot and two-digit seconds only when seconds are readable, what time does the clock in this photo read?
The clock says 5.44
